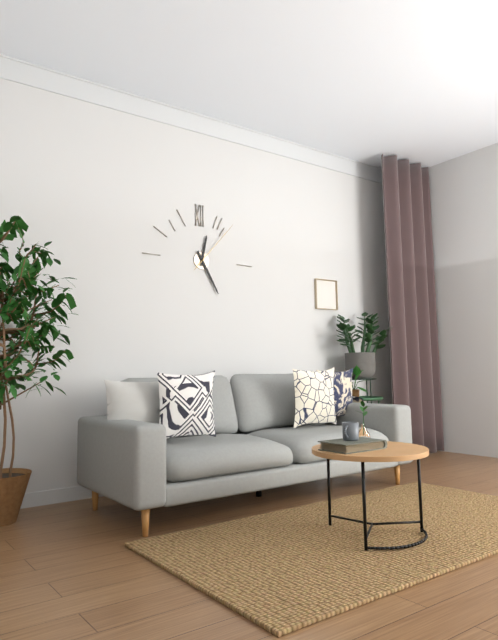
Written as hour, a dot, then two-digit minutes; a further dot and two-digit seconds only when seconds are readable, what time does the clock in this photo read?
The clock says 12.25.07
